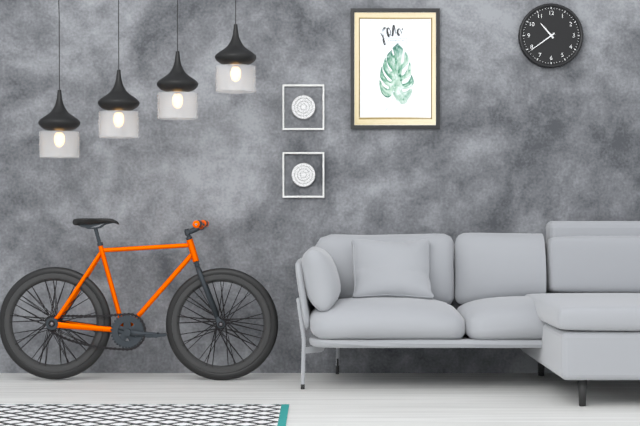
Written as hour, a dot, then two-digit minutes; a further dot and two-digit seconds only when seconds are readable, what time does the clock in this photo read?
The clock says 10.39
